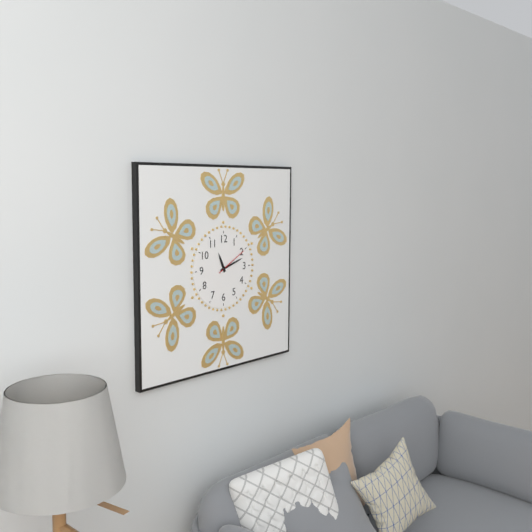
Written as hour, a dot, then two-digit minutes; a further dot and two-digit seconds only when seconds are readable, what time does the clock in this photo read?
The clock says 11.12
